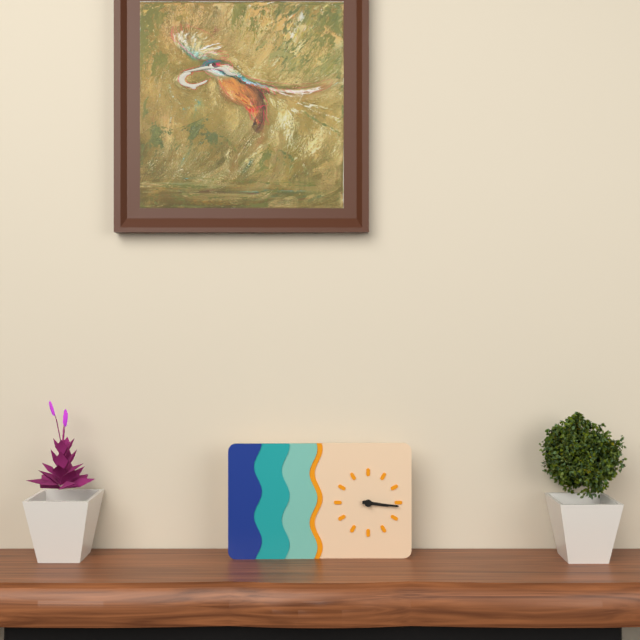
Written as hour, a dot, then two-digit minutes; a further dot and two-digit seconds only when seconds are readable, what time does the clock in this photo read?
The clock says 3.16
